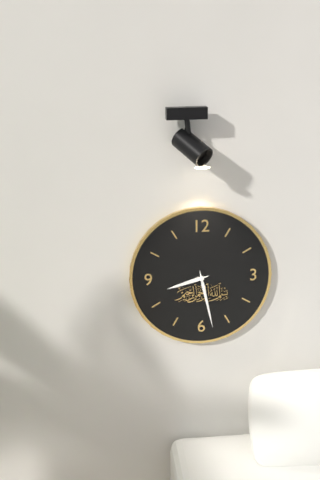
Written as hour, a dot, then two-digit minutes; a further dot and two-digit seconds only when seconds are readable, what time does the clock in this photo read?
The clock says 8.28
